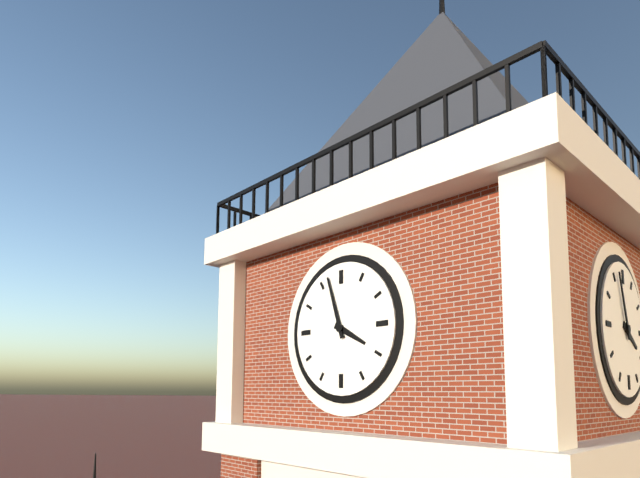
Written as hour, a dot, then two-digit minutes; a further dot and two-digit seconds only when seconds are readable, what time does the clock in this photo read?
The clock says 3.57
